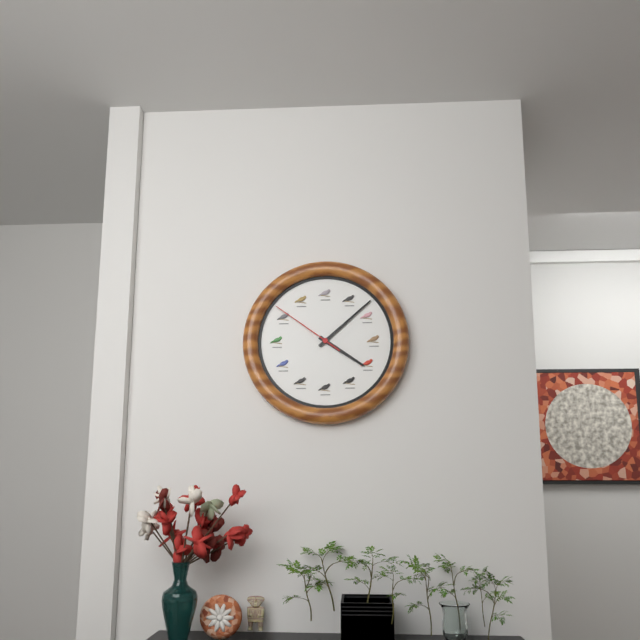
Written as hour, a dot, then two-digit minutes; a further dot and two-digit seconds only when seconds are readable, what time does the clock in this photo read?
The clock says 4.08.51
